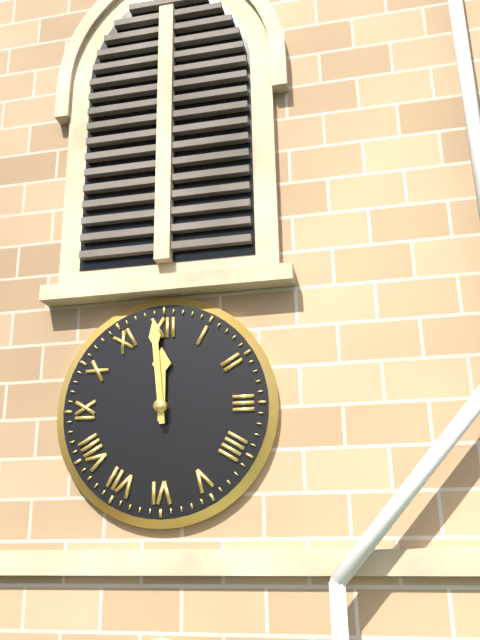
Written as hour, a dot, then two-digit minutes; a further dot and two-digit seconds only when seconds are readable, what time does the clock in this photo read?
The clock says 11.59
